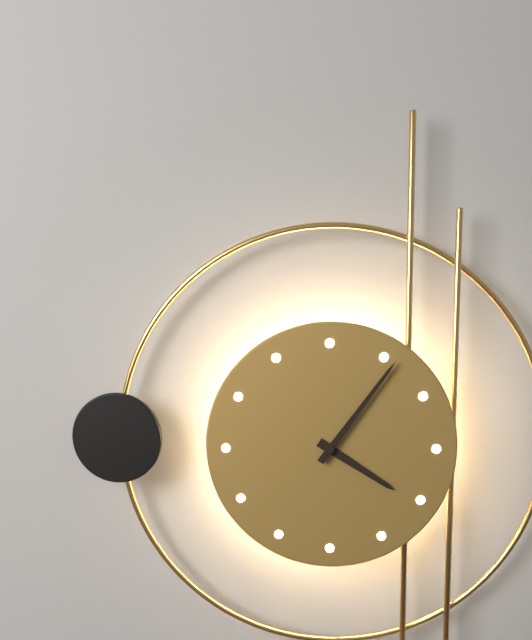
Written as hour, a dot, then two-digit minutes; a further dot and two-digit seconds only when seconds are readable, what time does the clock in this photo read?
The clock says 4.06
